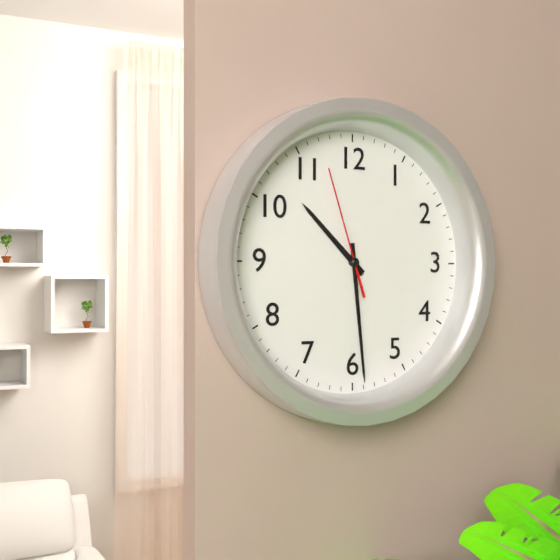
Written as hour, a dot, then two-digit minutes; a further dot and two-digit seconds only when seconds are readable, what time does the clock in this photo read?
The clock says 10.29.57
